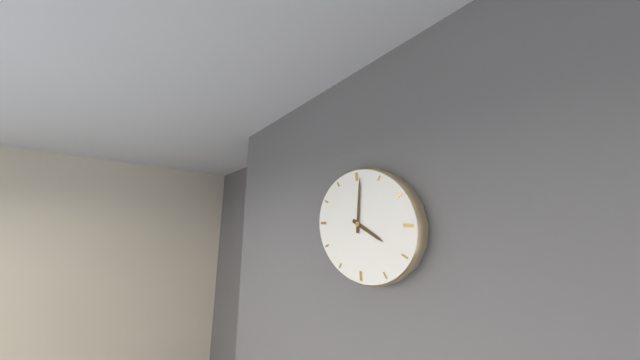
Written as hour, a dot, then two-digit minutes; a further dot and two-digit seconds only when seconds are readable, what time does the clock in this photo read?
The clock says 4.01
